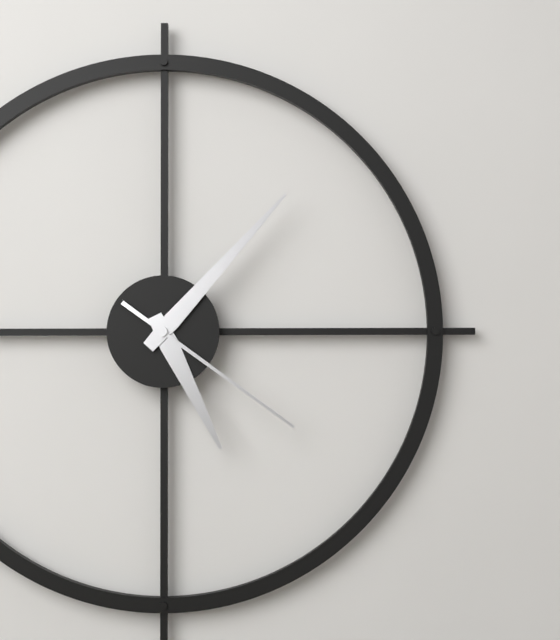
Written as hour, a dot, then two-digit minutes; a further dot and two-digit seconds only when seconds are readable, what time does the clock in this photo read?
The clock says 5.07.21
